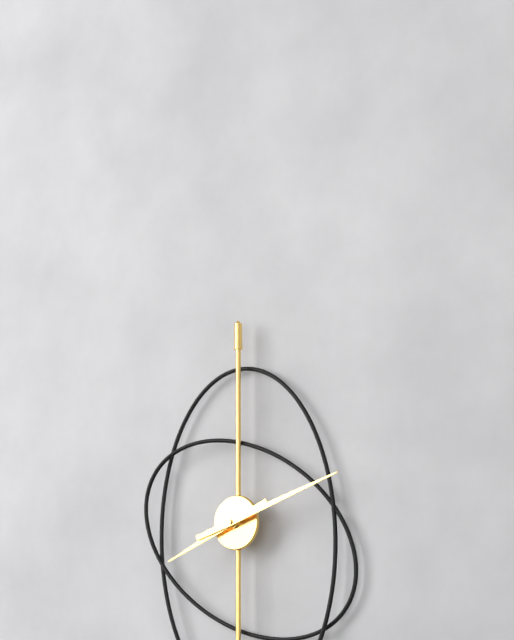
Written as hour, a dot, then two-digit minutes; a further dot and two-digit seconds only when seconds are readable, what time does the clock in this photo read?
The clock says 8.12
